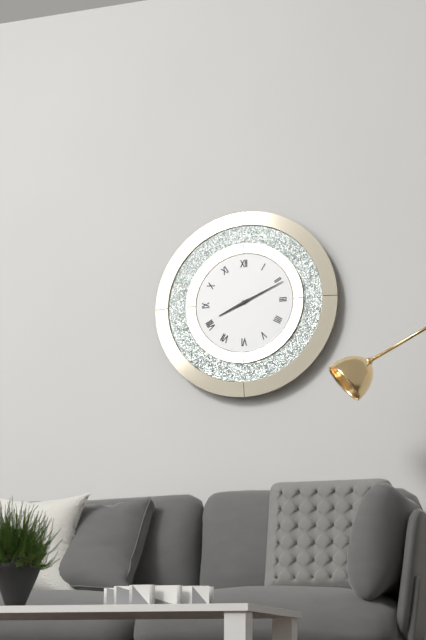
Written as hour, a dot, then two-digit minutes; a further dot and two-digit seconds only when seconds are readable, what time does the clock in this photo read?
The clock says 8.11
